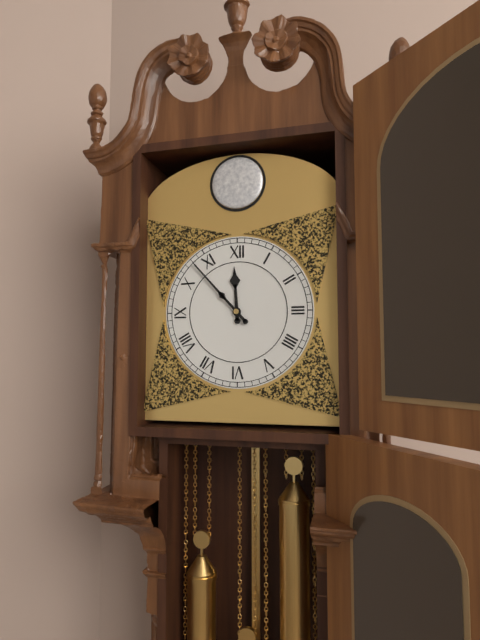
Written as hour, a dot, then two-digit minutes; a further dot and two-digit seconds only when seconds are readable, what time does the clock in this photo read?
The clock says 11.53
